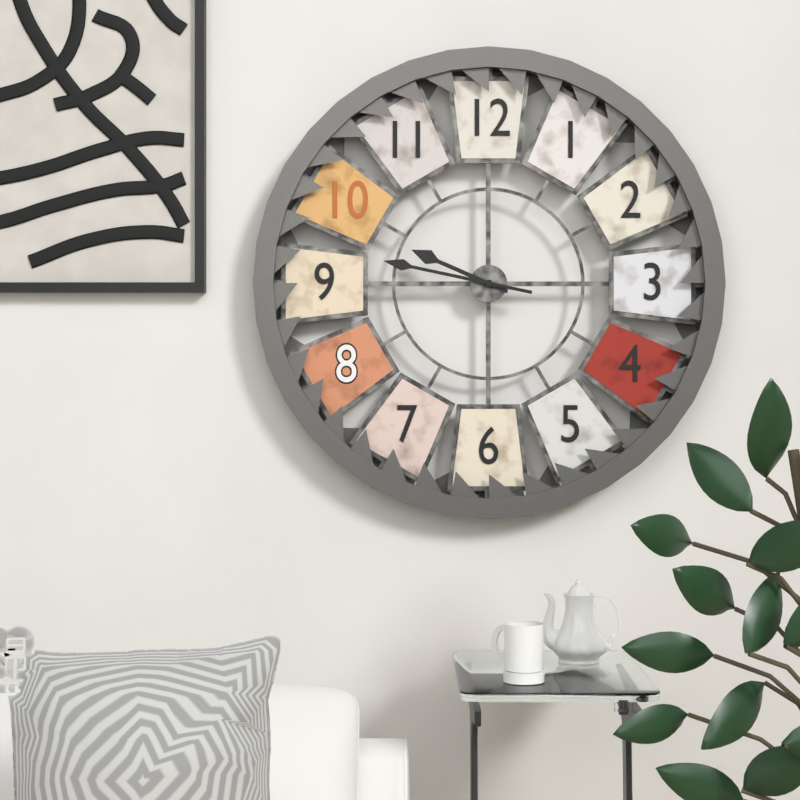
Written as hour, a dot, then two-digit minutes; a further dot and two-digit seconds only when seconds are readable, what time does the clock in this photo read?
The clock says 9.47
